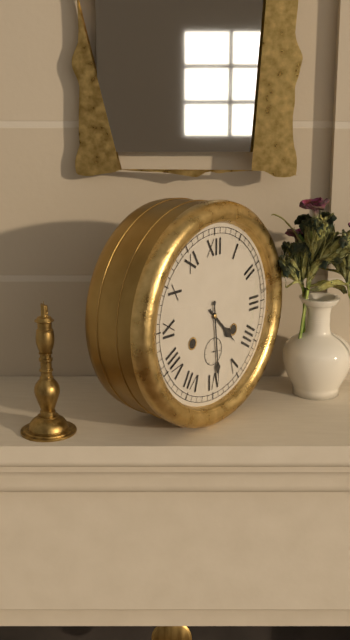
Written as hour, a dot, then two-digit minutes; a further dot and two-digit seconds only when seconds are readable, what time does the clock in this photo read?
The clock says 4.29
